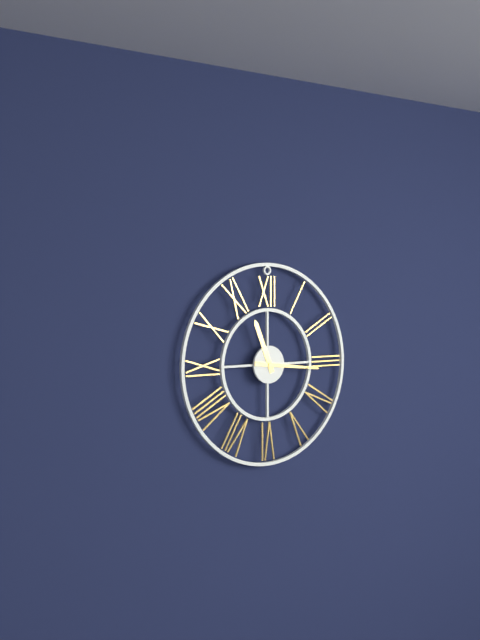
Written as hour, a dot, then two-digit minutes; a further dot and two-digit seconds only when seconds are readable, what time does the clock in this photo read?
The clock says 11.16
